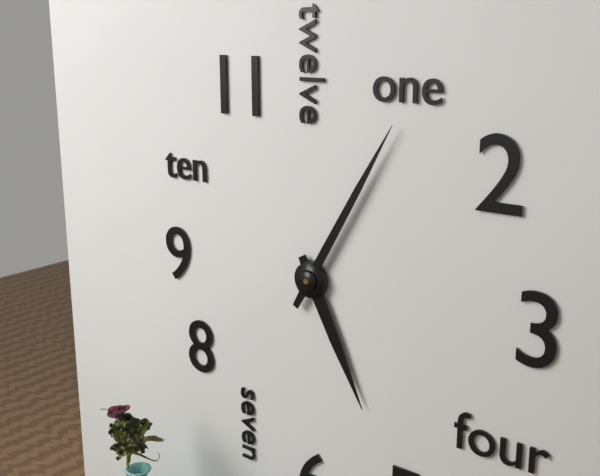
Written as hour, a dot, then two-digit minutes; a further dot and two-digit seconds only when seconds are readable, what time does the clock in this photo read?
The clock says 5.05
